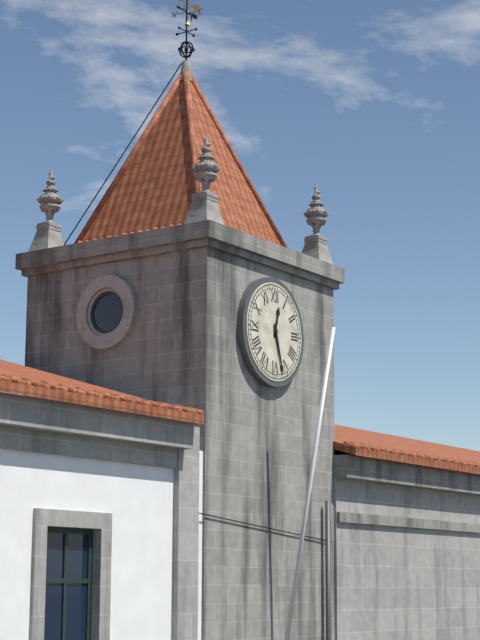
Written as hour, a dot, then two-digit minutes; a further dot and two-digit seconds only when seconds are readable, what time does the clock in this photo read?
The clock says 12.27
